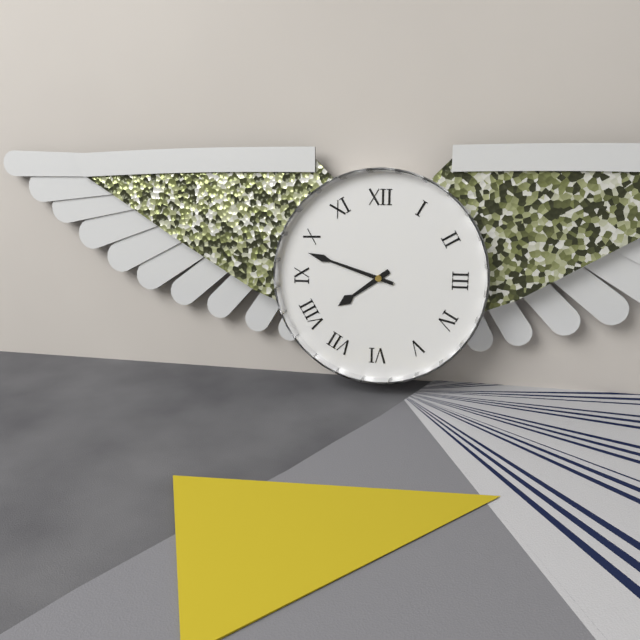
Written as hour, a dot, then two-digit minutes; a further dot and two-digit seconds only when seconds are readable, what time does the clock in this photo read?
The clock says 7.48
